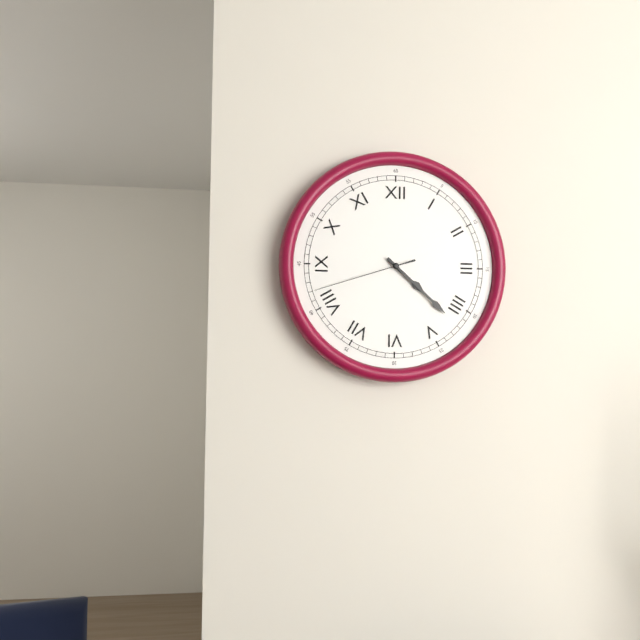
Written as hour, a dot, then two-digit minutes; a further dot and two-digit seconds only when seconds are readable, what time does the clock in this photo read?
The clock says 4.22.42
